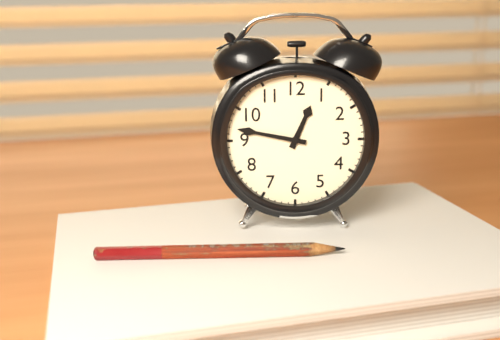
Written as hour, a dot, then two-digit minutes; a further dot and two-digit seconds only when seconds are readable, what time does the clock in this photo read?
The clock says 12.47
